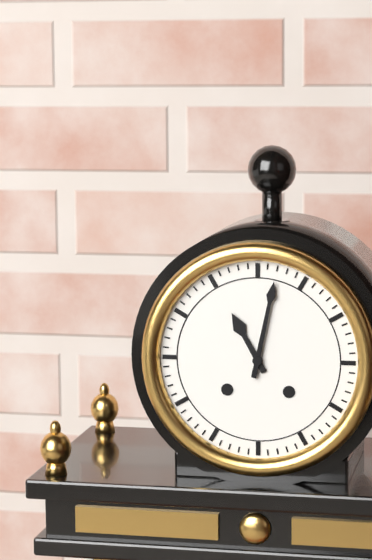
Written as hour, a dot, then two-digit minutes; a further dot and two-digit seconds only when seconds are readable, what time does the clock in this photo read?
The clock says 11.02
